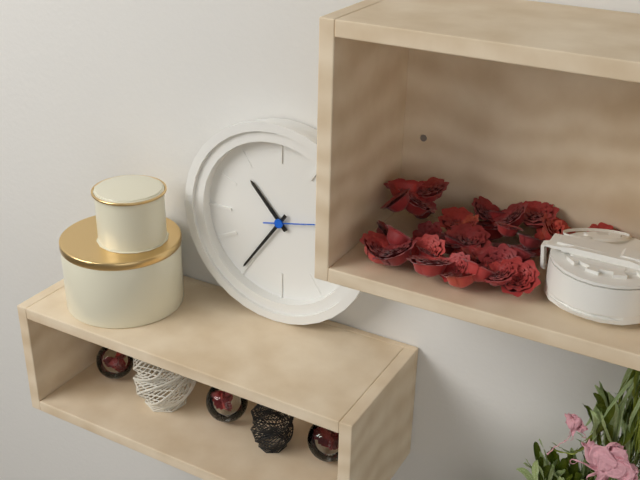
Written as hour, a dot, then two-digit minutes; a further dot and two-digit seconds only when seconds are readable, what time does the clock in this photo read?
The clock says 10.36
